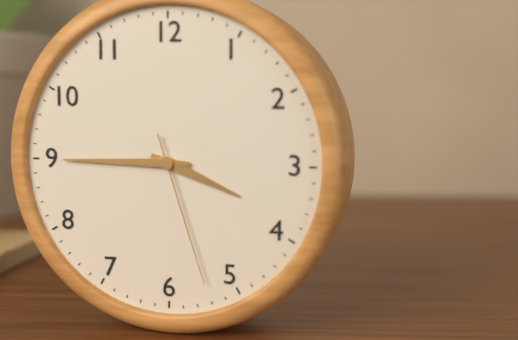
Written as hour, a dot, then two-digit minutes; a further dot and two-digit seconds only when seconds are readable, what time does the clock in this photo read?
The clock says 3.45.27
